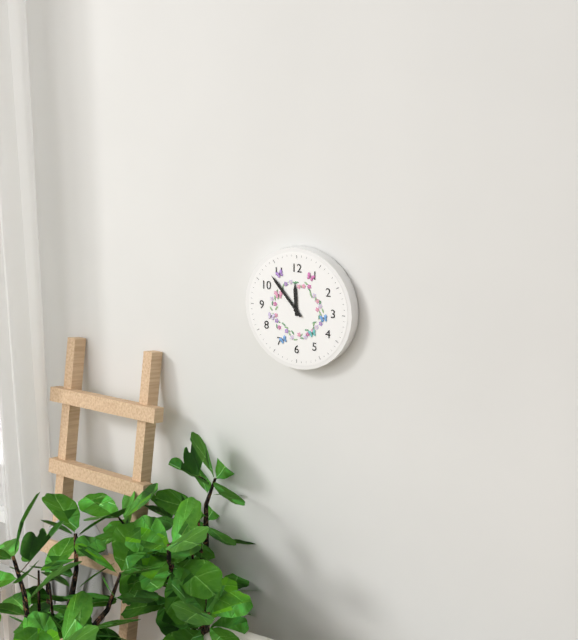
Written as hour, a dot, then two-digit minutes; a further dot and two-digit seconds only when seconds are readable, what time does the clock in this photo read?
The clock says 11.53
